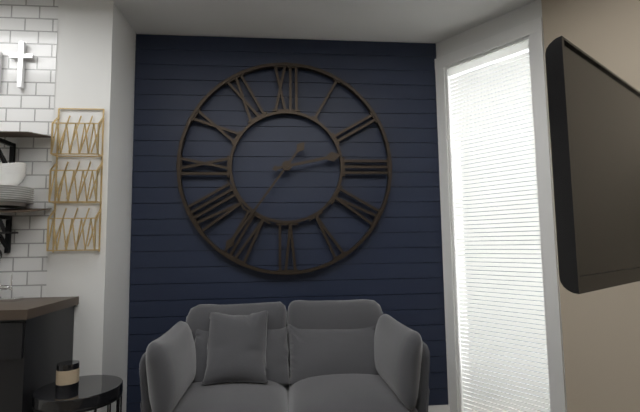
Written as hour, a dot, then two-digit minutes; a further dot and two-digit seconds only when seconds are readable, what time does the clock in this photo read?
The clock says 2.36
